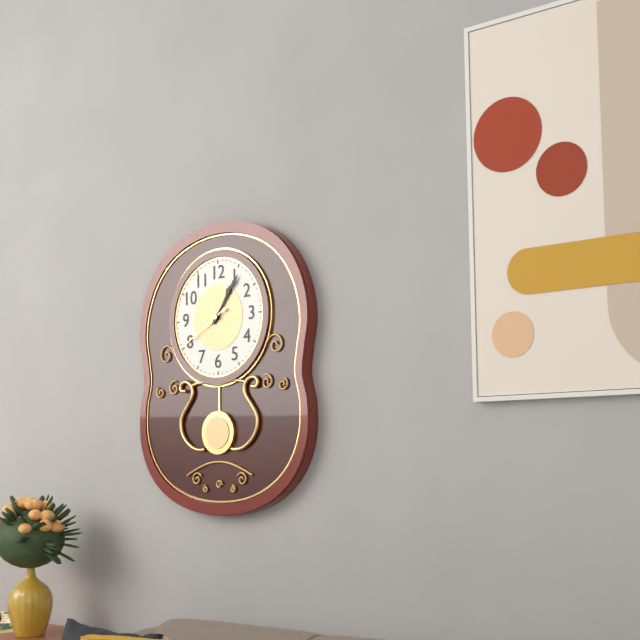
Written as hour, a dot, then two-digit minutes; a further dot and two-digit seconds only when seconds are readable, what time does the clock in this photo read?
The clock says 1.06.40
